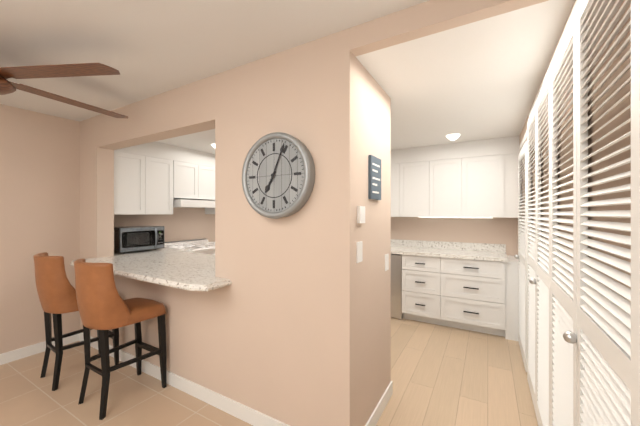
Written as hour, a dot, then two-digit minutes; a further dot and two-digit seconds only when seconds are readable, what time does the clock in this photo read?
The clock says 7.04
